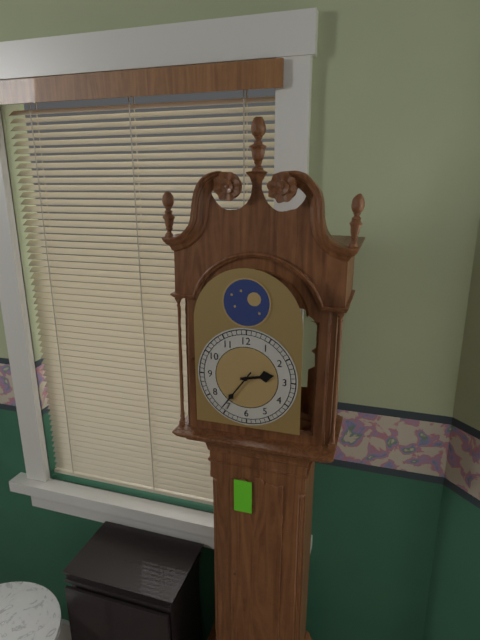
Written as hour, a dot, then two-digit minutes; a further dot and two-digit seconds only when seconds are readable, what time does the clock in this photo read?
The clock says 2.36
